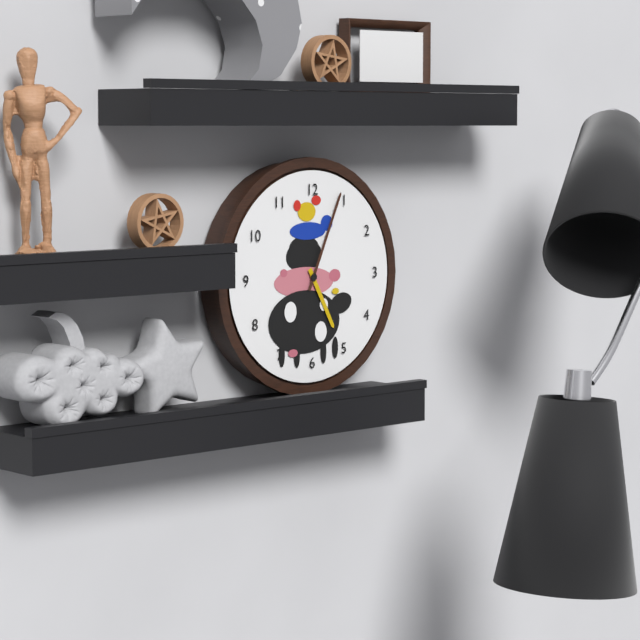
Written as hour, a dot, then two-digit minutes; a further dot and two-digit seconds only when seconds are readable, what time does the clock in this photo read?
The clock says 5.04
